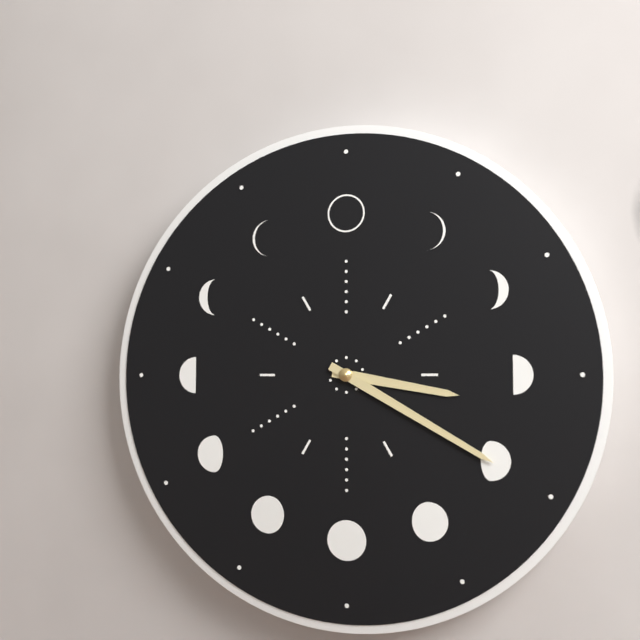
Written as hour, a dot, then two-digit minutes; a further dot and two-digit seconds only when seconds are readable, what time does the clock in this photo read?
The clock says 3.20
